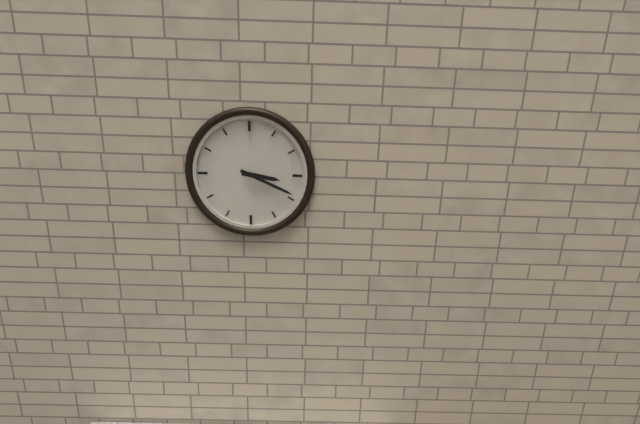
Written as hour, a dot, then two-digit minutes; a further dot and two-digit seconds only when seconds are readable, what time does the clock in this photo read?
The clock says 3.19
